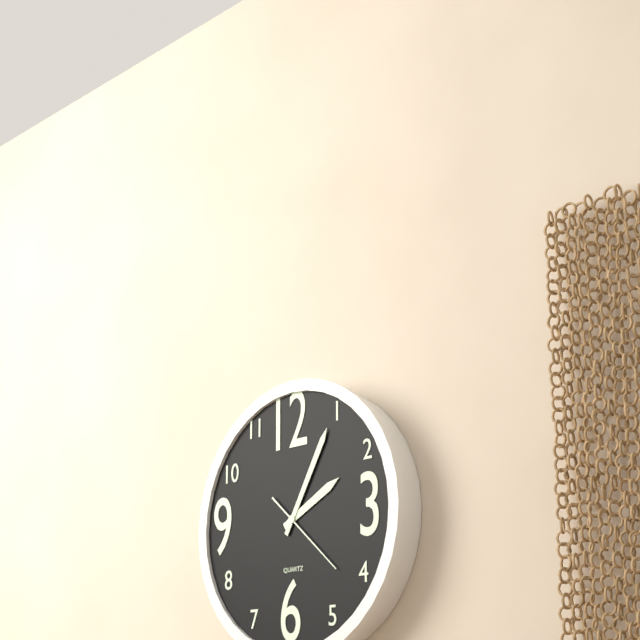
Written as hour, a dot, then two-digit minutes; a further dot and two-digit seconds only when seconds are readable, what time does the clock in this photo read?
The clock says 2.05.22
